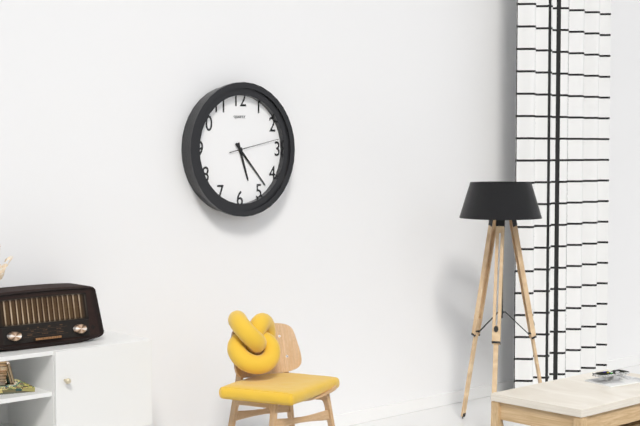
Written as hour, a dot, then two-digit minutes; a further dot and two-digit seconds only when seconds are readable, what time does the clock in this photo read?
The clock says 5.23.13
